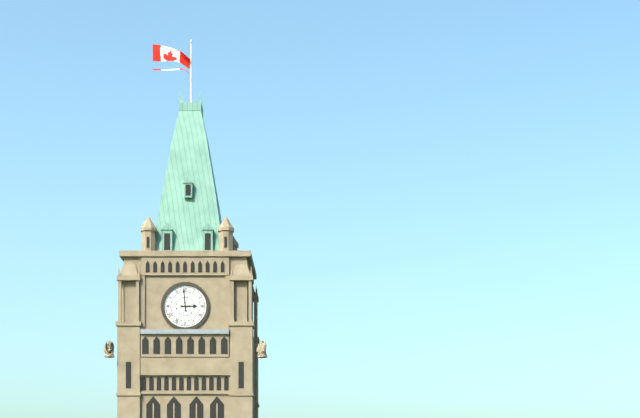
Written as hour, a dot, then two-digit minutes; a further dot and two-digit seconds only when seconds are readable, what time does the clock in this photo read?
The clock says 2.59
